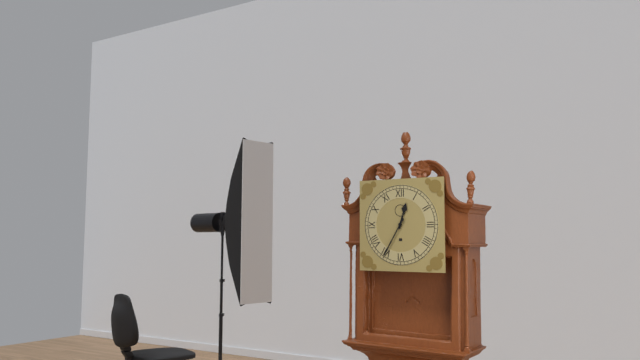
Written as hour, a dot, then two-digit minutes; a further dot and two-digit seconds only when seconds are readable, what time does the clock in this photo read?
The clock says 12.35
